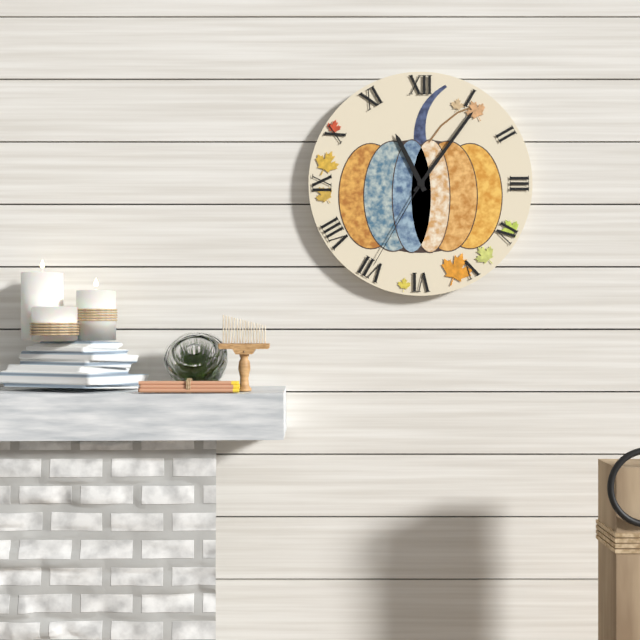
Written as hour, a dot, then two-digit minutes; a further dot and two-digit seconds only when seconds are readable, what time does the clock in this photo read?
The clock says 11.06.35
